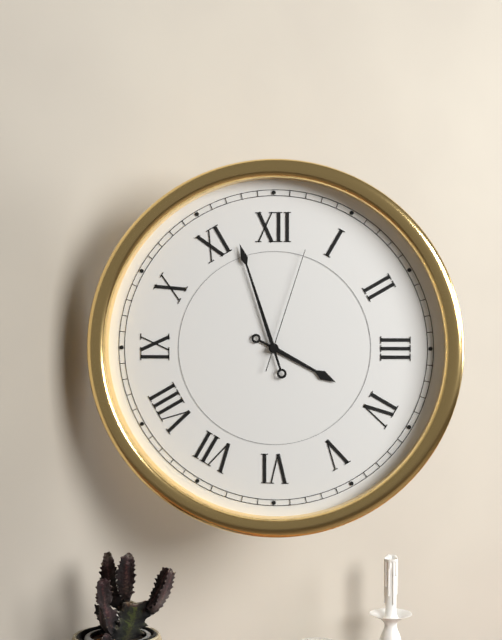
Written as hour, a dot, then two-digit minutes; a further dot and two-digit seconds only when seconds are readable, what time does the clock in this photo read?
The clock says 3.57.03
